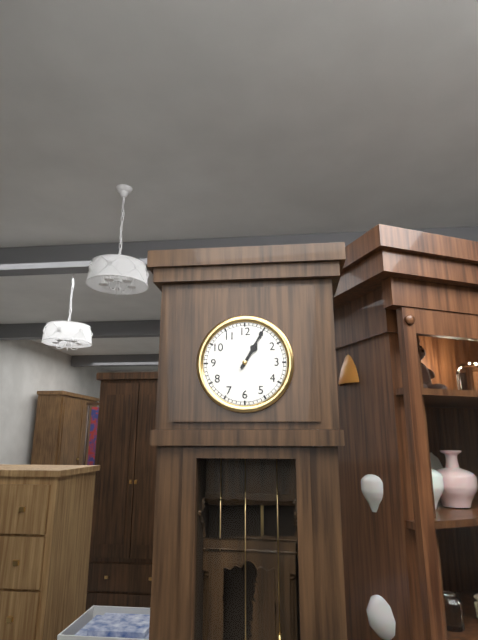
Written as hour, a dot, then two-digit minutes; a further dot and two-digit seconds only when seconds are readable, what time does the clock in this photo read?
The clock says 1.05
